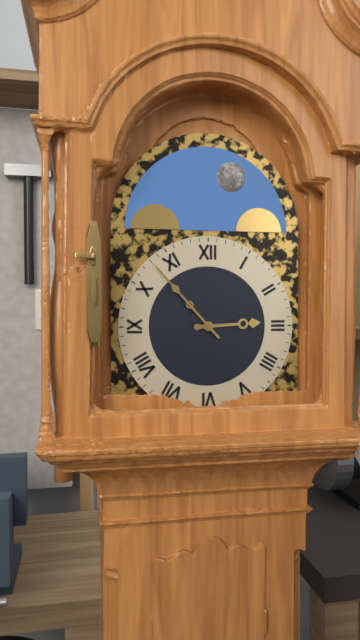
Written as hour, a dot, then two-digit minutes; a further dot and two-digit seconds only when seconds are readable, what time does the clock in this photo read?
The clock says 2.53
